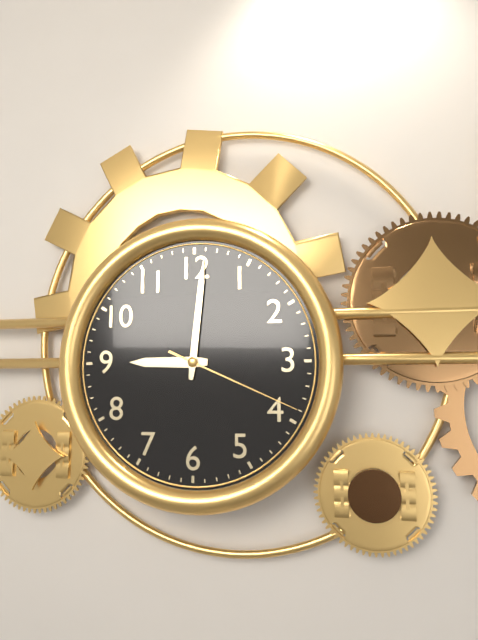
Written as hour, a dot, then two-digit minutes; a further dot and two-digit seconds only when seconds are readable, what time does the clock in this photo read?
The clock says 9.01.19
